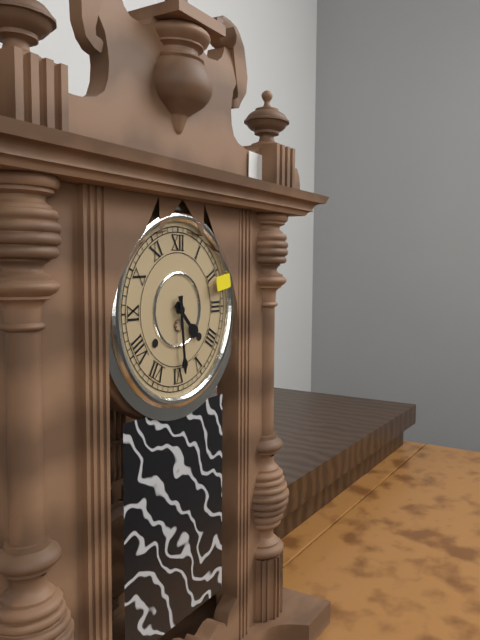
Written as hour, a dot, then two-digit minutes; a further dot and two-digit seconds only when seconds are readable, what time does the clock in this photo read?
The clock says 4.29
